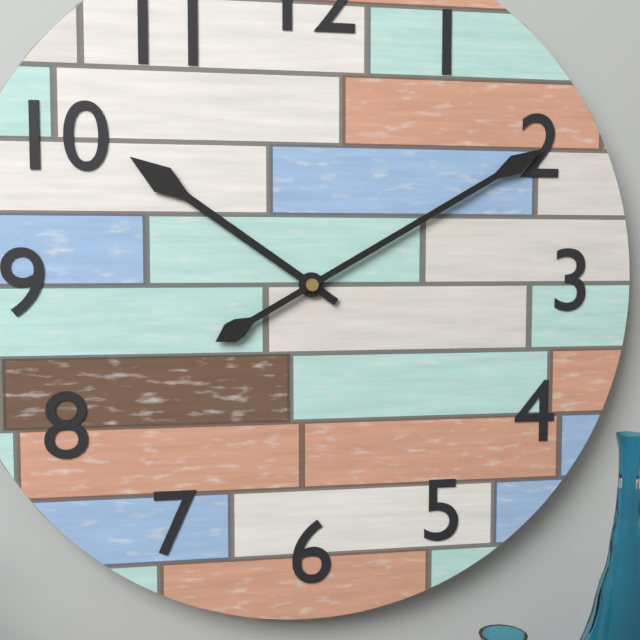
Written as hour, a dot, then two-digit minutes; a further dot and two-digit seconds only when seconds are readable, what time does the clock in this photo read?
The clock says 10.10
